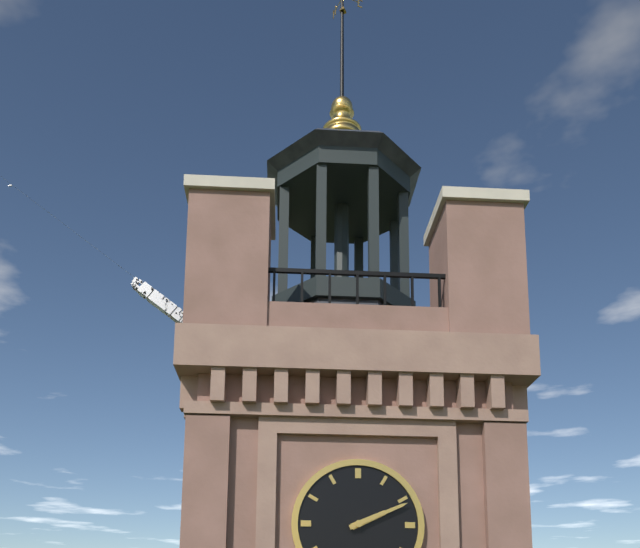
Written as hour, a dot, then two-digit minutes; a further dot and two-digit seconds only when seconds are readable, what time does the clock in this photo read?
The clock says 2.11
